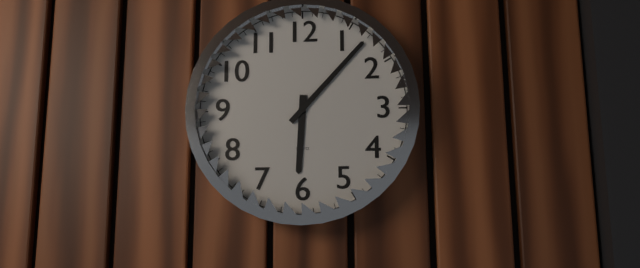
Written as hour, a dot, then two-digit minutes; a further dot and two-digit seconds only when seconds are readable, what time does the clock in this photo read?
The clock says 6.07
